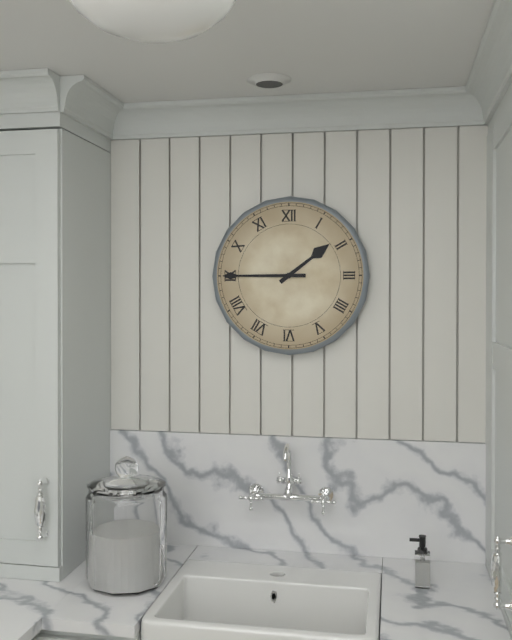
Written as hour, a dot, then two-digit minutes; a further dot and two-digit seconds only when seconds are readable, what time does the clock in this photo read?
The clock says 1.45
